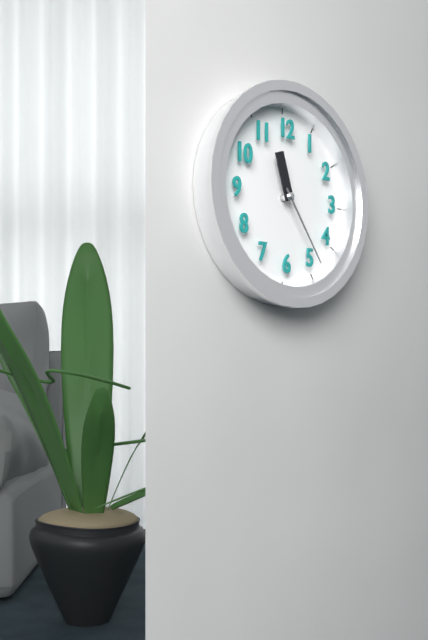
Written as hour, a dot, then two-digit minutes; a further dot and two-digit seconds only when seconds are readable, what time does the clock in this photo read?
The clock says 11.24
